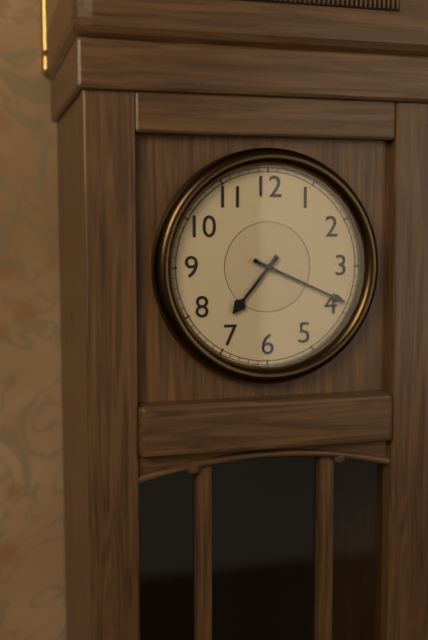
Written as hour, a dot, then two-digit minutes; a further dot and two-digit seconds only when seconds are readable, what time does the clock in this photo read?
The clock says 7.19
